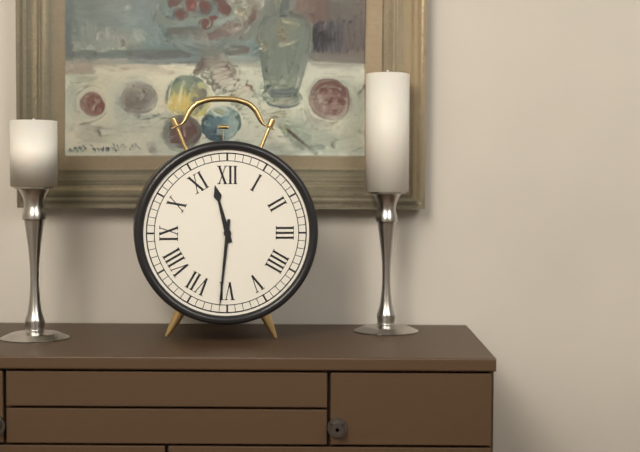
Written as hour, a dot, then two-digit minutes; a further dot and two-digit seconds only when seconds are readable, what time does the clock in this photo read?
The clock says 11.31
